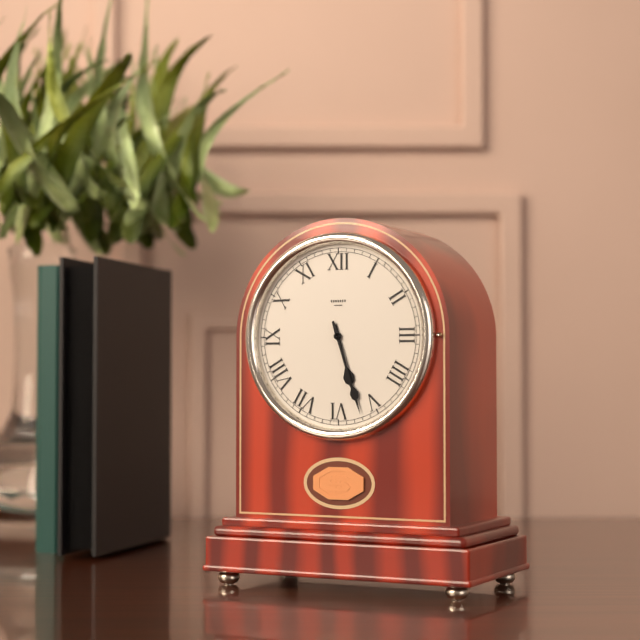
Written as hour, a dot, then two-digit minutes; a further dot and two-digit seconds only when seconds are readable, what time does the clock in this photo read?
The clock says 5.27
